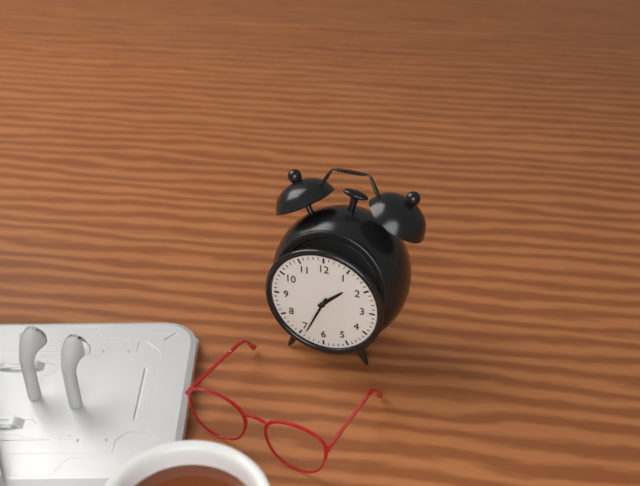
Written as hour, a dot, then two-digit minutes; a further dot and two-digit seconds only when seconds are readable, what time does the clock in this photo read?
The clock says 1.34
